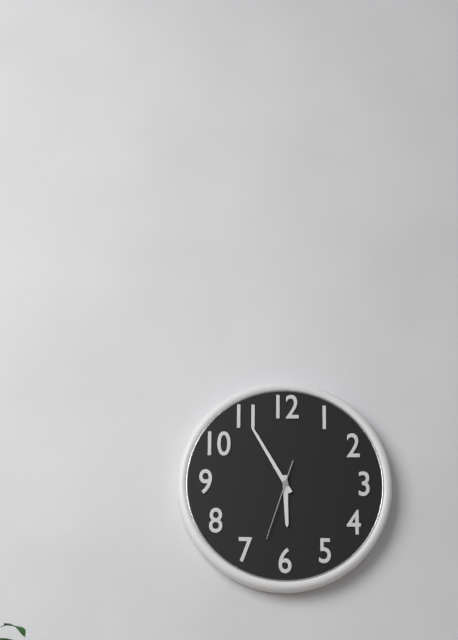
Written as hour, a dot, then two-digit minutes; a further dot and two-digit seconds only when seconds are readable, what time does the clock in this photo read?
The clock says 5.55.33
